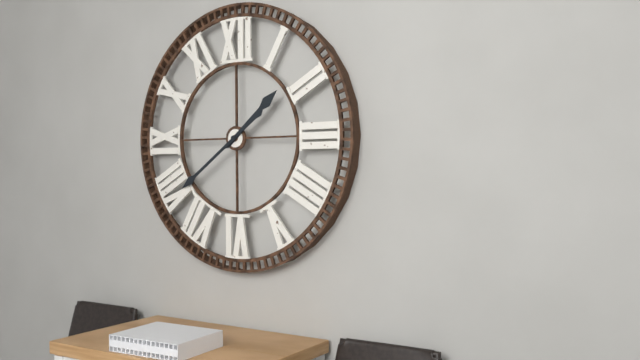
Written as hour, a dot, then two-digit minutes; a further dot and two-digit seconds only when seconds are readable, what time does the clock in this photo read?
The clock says 1.39
